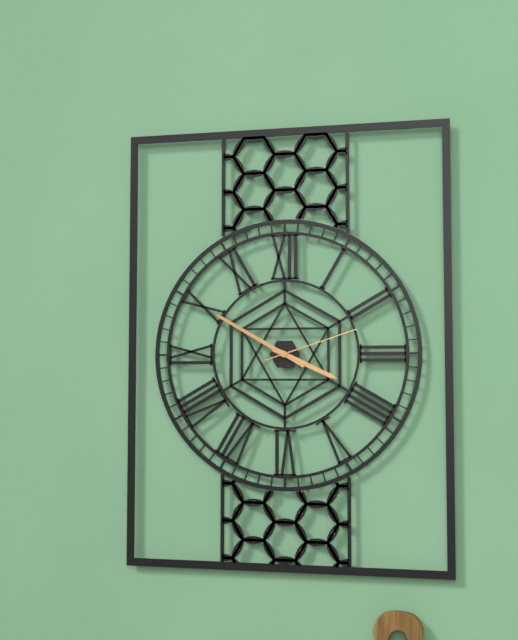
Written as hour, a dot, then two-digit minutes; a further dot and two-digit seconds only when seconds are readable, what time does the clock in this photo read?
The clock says 3.50.12
